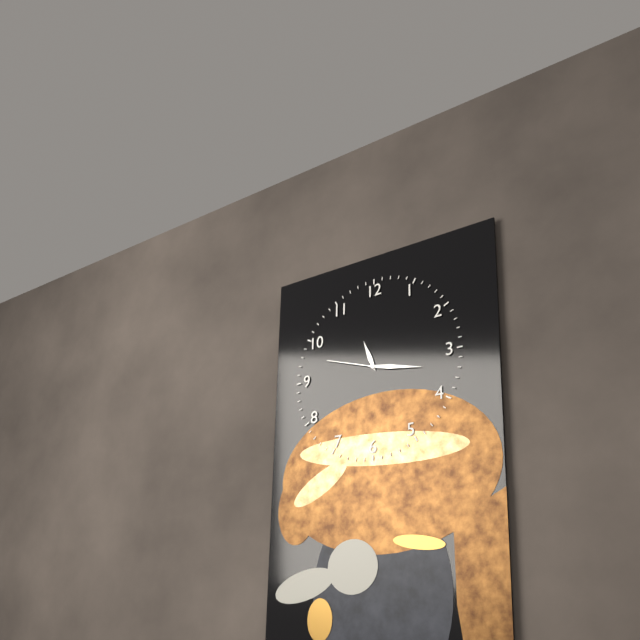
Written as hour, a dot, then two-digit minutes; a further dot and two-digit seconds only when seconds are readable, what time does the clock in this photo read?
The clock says 11.17.48
